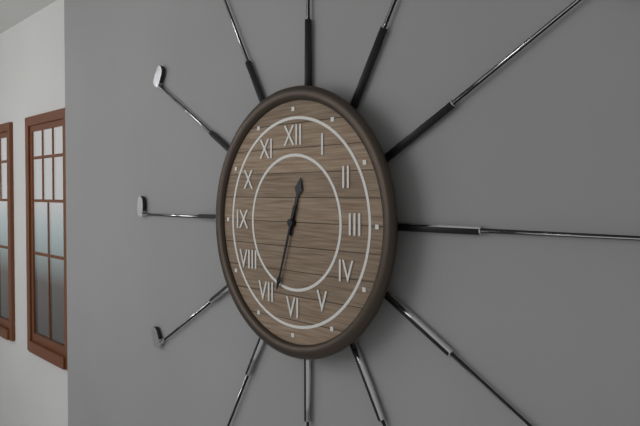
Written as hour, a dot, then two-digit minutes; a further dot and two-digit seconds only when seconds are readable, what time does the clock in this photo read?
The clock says 12.33
